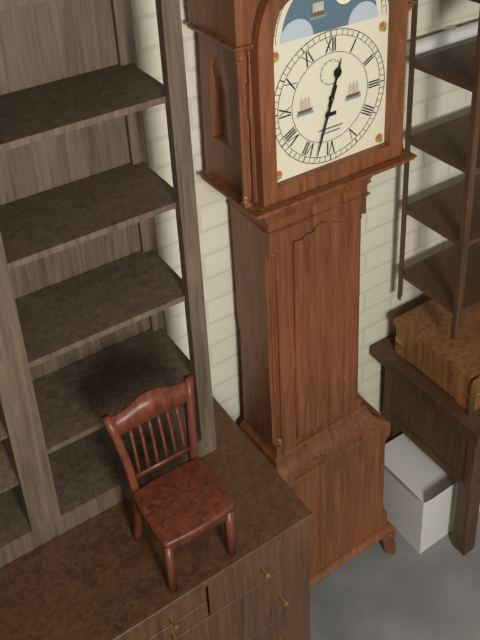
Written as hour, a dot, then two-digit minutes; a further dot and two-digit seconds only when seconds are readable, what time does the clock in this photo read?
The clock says 12.33
